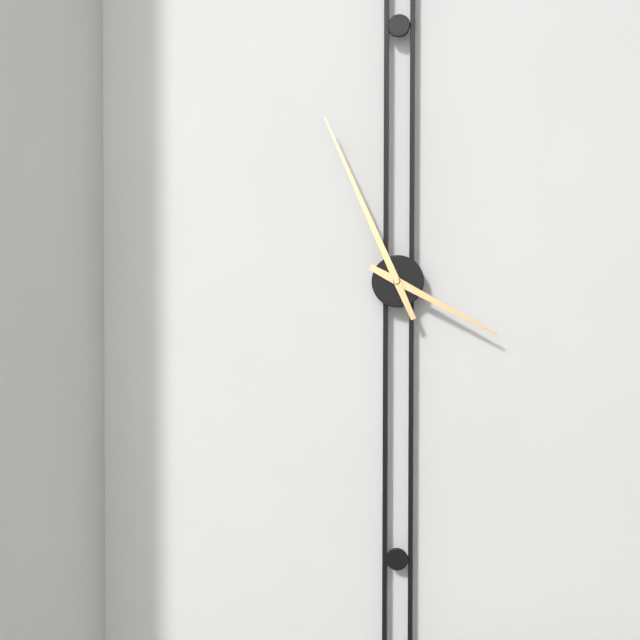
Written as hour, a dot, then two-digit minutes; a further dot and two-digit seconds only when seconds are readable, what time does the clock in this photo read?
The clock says 3.56
